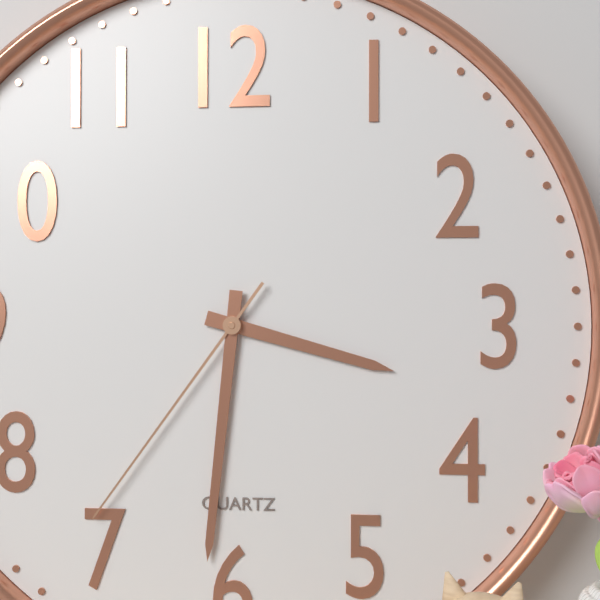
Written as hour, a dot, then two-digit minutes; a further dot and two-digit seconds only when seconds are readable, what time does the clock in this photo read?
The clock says 3.31.36
